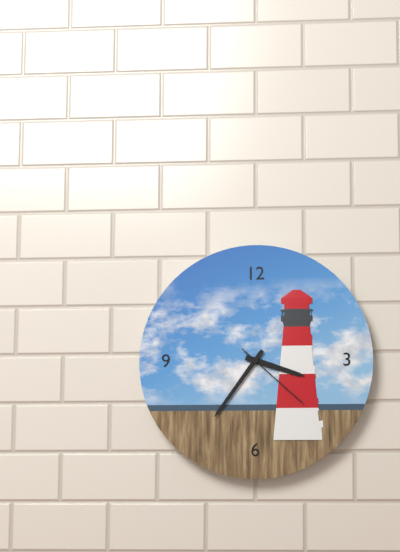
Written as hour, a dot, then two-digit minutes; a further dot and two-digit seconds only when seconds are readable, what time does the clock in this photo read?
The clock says 3.36.22
